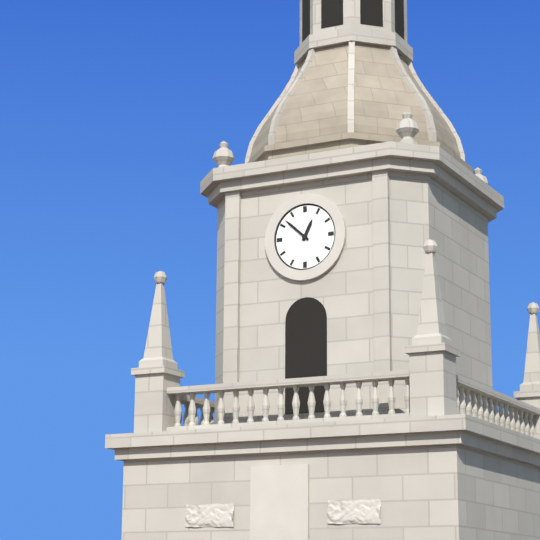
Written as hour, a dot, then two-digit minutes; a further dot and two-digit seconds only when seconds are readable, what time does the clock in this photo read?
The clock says 12.52
